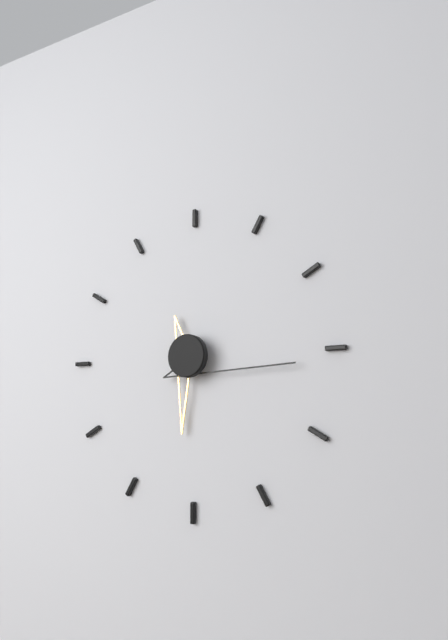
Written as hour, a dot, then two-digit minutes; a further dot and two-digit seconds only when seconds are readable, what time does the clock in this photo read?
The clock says 6.16
